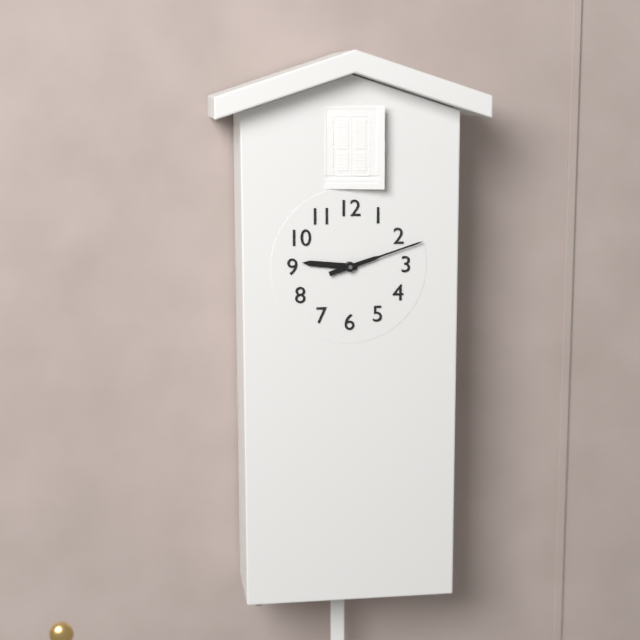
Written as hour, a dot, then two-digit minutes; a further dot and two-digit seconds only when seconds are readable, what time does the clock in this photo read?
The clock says 9.12
